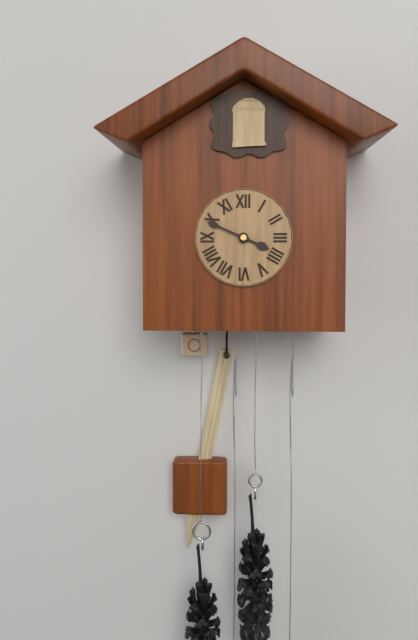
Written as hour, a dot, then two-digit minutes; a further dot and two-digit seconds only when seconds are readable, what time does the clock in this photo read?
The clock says 3.49
